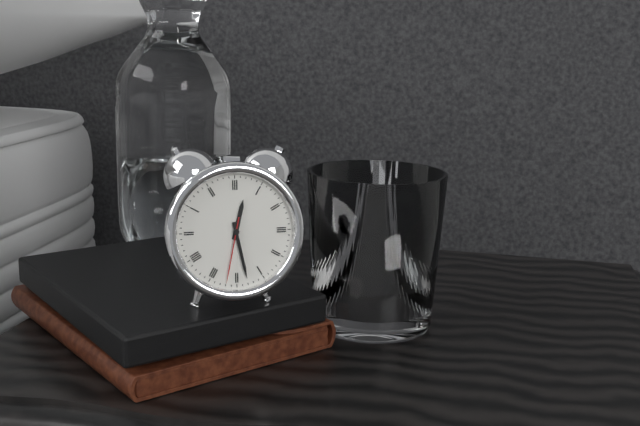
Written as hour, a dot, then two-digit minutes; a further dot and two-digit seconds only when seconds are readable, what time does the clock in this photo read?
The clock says 12.28.32
